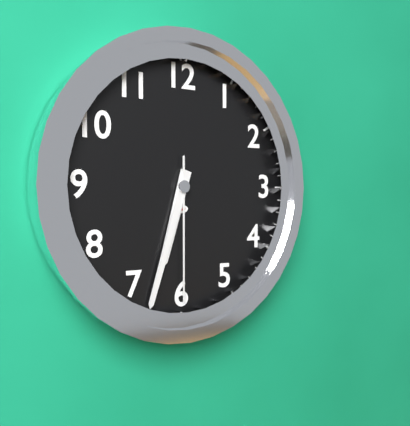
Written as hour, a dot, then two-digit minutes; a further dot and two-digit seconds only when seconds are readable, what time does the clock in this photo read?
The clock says 6.33.30
